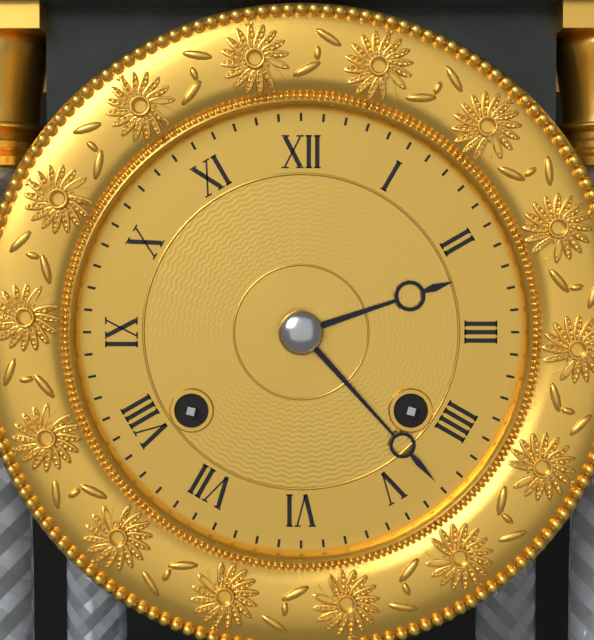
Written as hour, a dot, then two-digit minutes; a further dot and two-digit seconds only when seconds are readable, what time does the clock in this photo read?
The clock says 2.23
